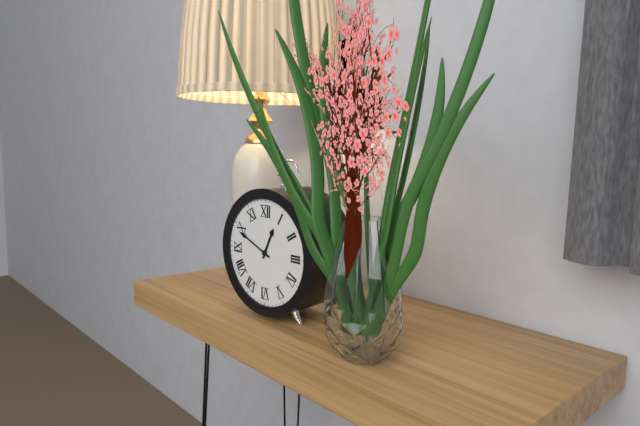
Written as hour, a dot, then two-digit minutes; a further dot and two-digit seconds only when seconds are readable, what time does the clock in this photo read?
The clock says 12.49
